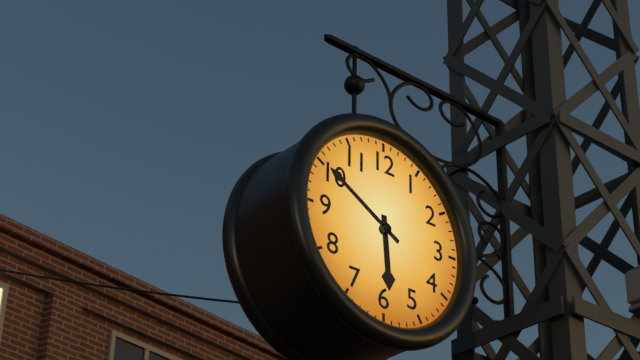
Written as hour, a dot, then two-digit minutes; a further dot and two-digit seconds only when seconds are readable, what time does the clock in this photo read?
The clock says 5.50
